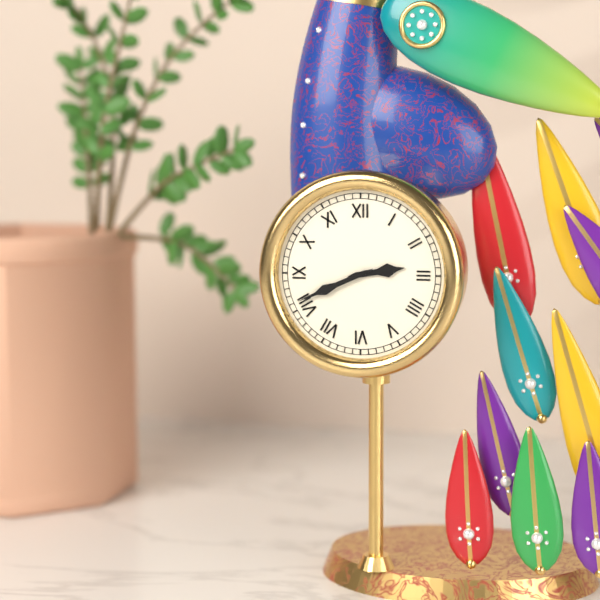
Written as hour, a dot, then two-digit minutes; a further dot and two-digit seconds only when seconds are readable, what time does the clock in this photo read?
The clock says 2.41
